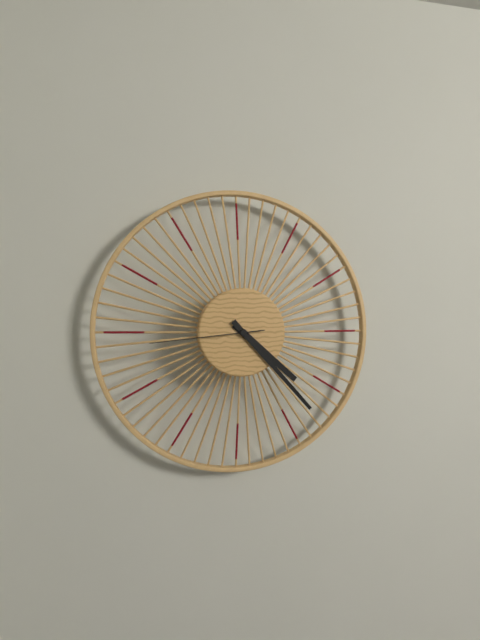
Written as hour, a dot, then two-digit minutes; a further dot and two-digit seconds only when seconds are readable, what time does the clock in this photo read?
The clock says 4.23.44
